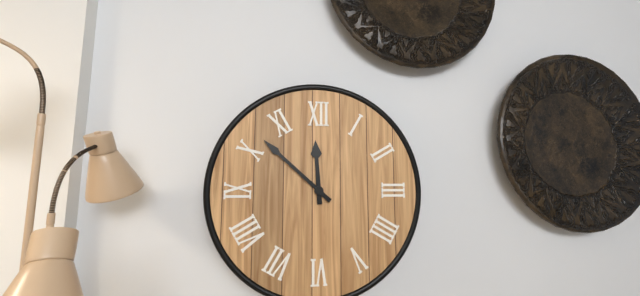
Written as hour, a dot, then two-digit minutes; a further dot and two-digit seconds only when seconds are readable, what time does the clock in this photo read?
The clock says 11.52
